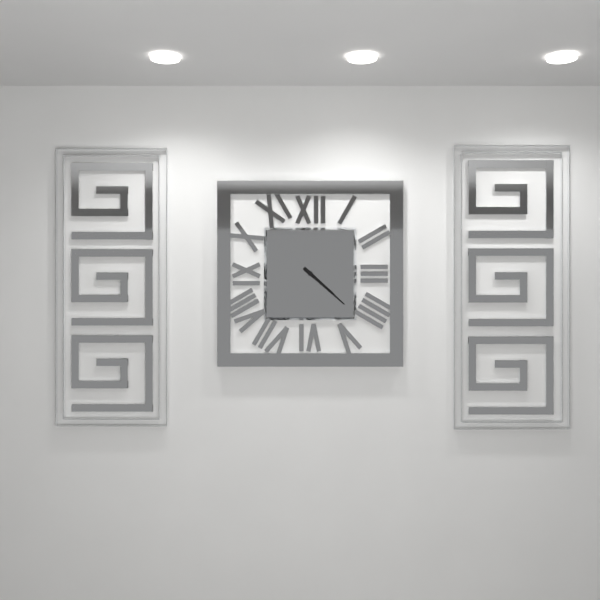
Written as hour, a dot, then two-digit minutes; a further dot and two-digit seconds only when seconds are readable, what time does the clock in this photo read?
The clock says 4.22
